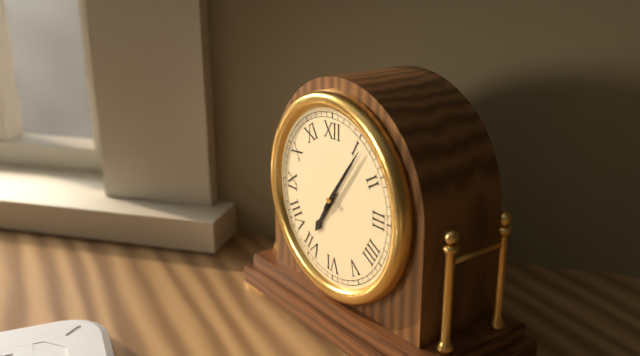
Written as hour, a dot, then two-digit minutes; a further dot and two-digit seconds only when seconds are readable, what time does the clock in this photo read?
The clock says 7.06
